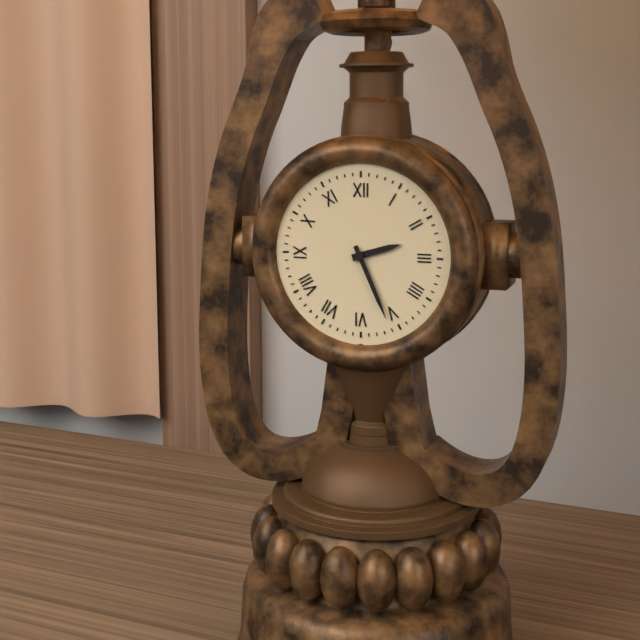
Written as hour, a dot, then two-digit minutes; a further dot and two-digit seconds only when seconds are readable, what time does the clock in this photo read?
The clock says 2.26
